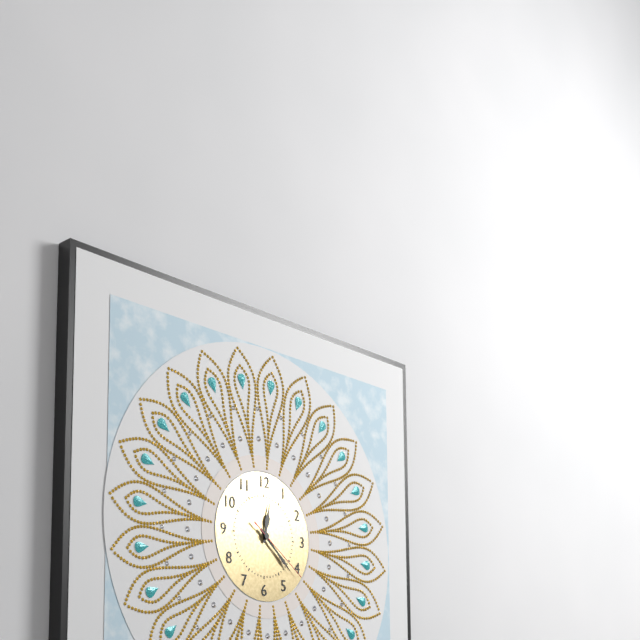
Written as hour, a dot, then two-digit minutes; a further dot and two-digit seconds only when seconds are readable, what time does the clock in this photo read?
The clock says 12.22.21
